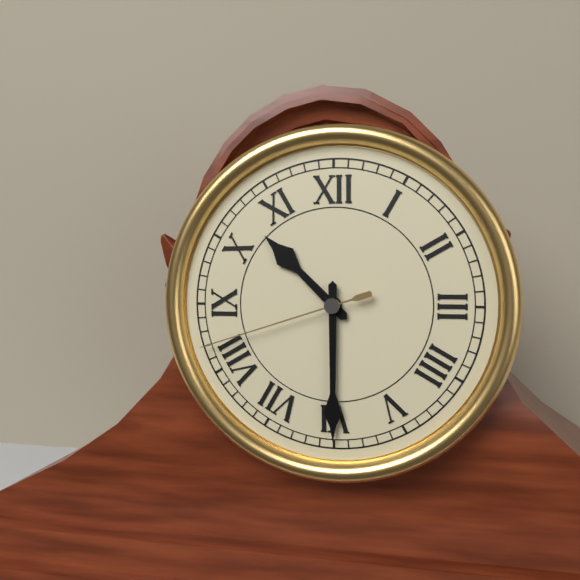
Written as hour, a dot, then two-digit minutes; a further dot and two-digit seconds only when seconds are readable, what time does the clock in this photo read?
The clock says 10.30.42
